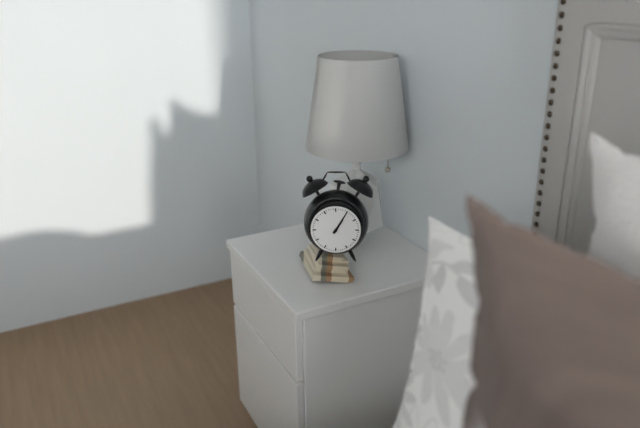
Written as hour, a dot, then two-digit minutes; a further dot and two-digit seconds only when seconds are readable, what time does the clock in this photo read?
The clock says 1.05
